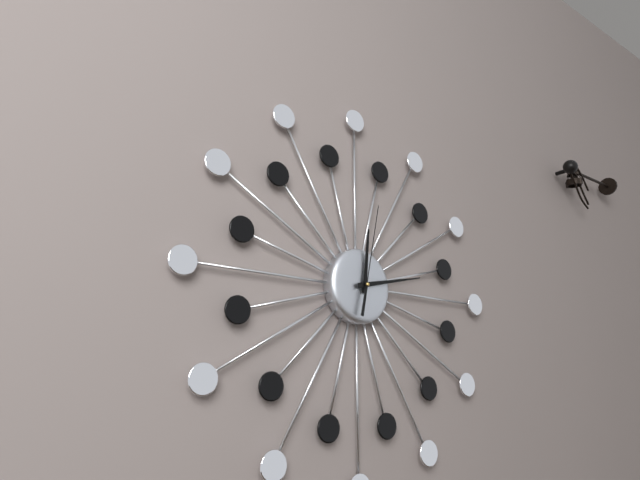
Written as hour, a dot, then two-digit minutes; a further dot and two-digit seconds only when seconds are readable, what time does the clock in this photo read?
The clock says 12.13.02
